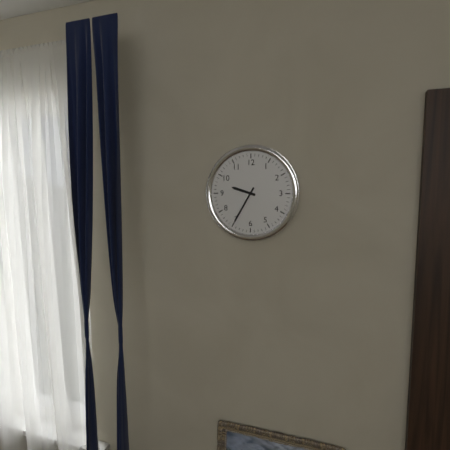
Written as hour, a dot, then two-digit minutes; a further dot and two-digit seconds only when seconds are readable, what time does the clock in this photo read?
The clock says 9.35
